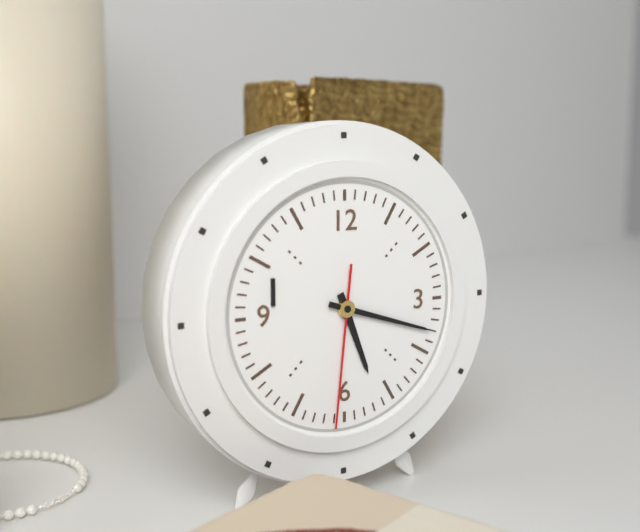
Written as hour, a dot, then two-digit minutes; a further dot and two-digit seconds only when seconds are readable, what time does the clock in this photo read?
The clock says 5.18.31
